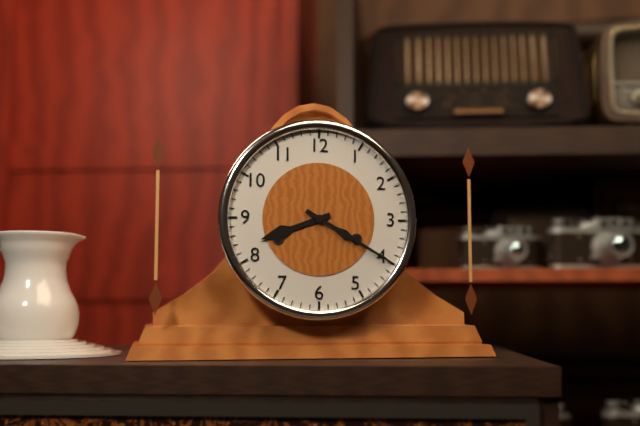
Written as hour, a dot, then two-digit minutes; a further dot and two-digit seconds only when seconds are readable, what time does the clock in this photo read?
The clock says 8.20
